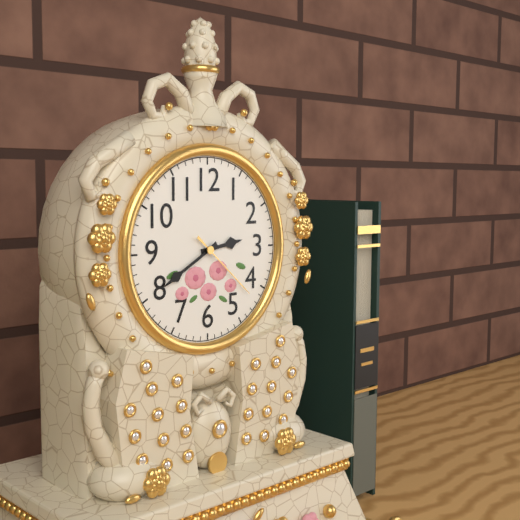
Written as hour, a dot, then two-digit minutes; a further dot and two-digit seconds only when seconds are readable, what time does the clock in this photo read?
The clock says 2.40.22
